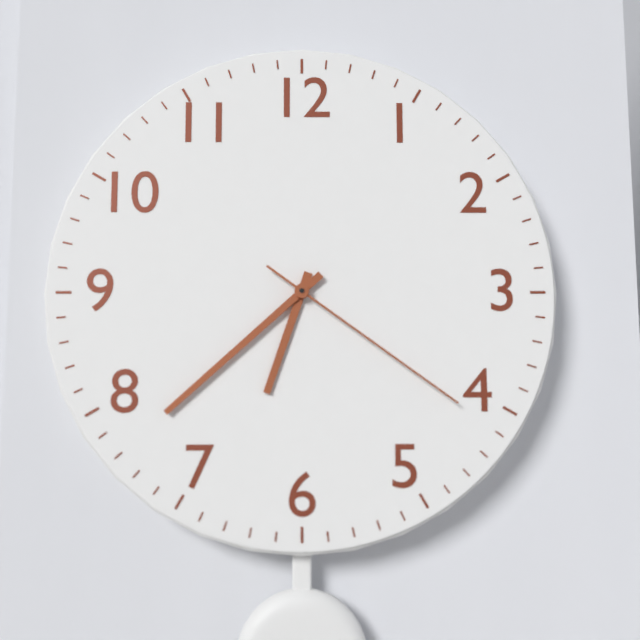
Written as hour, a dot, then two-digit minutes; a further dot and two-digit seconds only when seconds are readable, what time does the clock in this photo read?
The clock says 6.38.21
